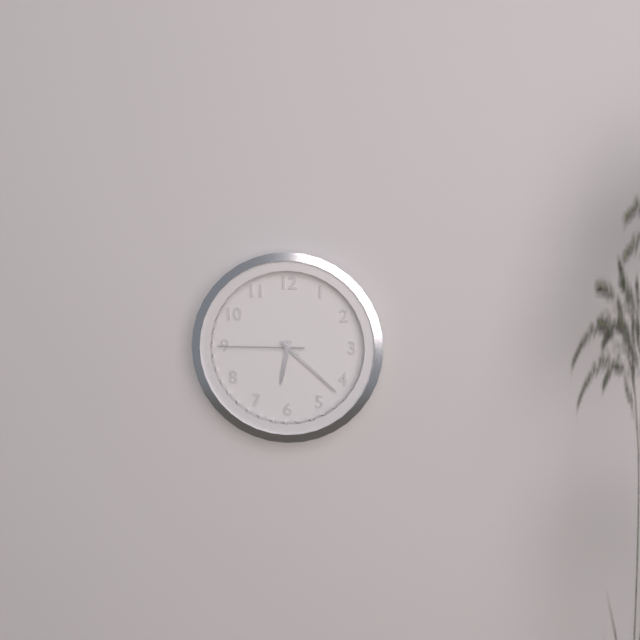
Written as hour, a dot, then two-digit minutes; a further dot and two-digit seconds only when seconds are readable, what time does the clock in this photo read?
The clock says 6.22.45
